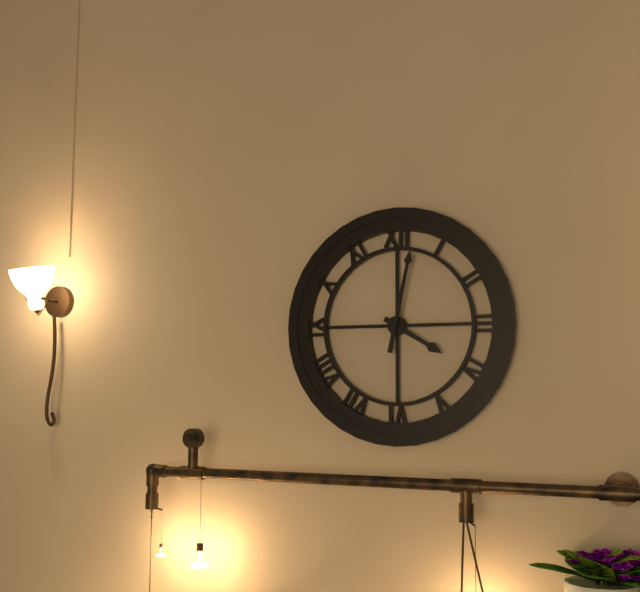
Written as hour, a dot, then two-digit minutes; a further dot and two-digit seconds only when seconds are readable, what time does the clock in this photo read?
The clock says 4.02
